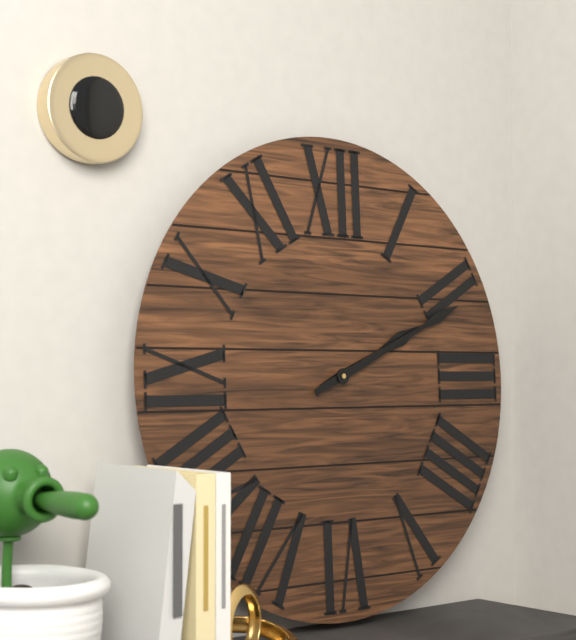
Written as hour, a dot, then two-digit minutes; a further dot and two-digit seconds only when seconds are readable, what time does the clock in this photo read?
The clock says 2.11
